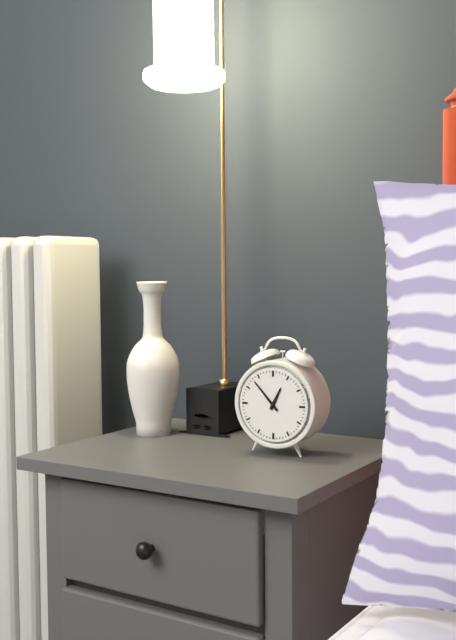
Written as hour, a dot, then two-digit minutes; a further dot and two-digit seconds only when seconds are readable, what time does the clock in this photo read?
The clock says 12.53
